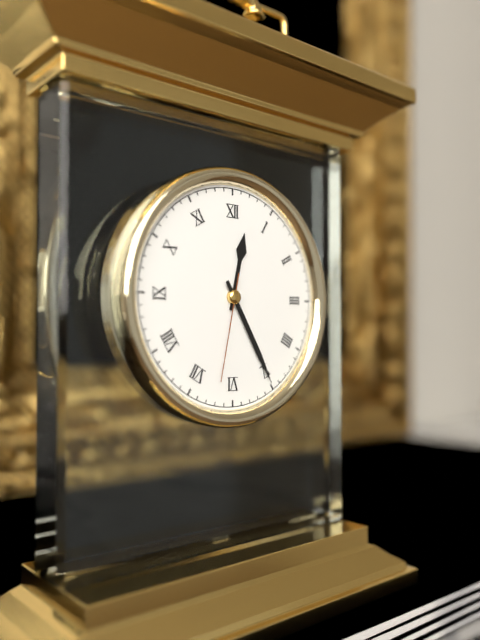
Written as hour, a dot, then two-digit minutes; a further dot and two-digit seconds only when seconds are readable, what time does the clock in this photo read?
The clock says 12.25.32
